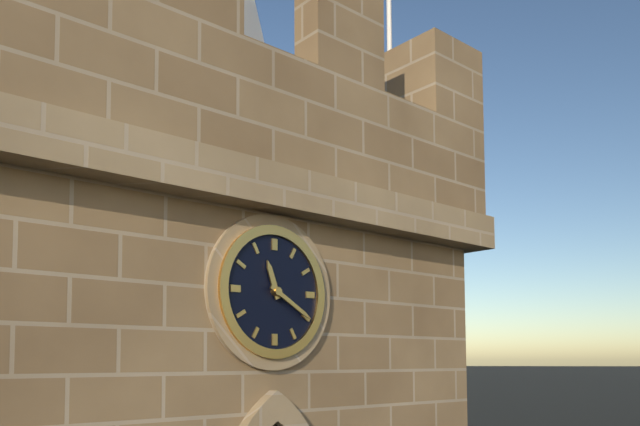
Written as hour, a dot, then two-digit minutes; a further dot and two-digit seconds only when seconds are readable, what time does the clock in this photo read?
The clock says 11.20
